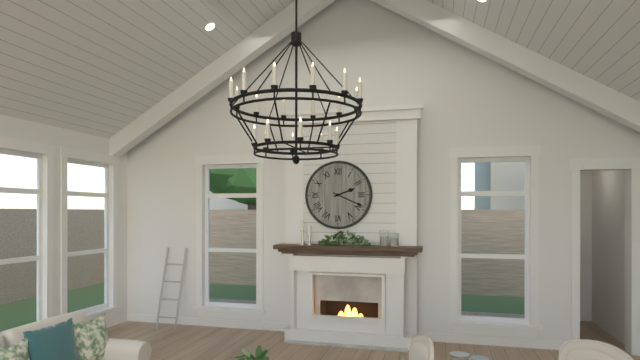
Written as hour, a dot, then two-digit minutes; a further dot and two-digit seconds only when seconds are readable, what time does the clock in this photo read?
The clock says 2.19
